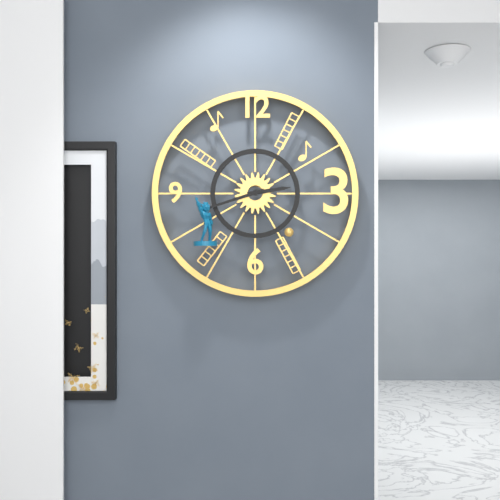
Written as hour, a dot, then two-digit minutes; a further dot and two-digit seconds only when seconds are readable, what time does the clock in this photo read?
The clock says 2.42
